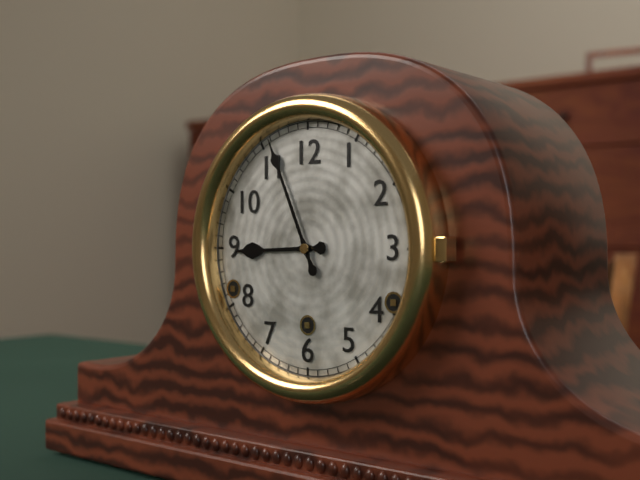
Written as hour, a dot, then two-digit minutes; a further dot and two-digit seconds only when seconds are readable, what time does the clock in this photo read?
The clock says 8.56
